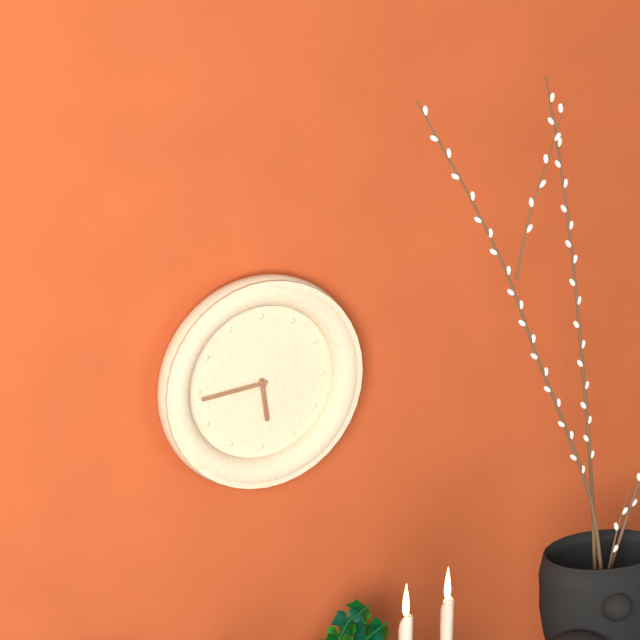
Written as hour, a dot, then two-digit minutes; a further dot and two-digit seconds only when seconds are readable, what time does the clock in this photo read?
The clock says 5.44
